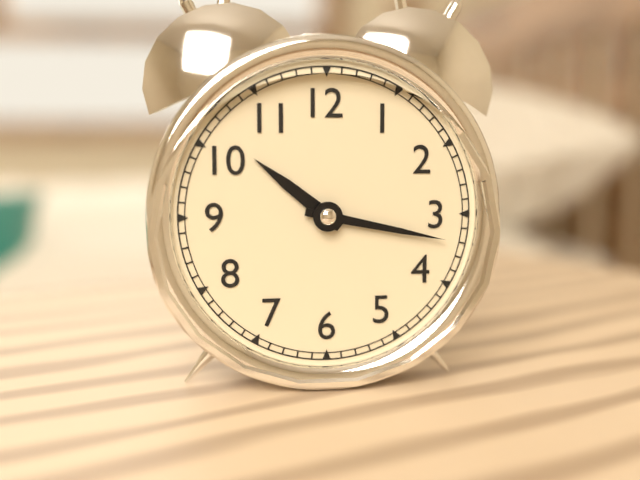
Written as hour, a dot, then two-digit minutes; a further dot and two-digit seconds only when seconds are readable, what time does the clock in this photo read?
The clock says 10.17
